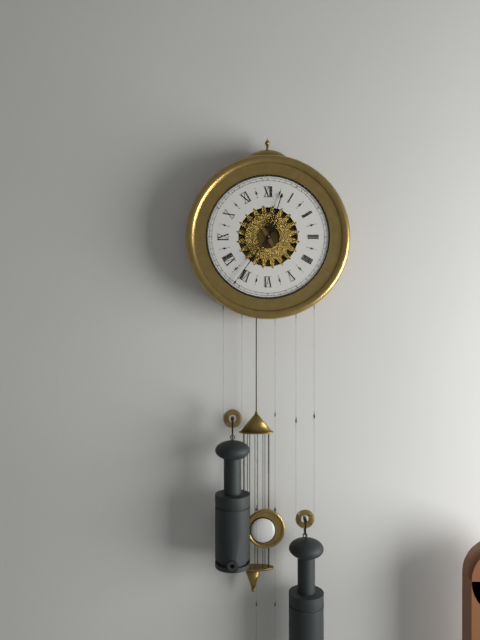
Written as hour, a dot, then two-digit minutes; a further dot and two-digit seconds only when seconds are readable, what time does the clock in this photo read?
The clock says 12.36
